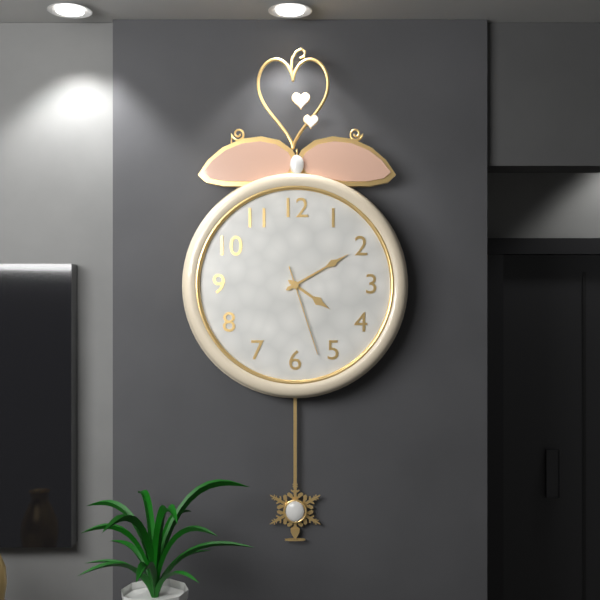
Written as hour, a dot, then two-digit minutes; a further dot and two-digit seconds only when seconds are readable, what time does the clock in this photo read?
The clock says 4.10.27
